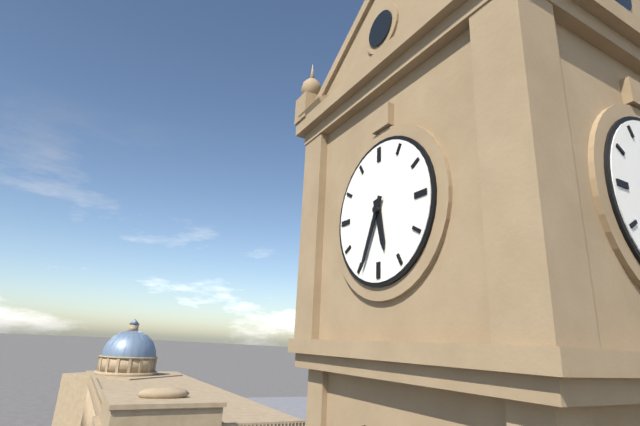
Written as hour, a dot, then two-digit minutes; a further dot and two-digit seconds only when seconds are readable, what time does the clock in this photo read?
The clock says 5.34
